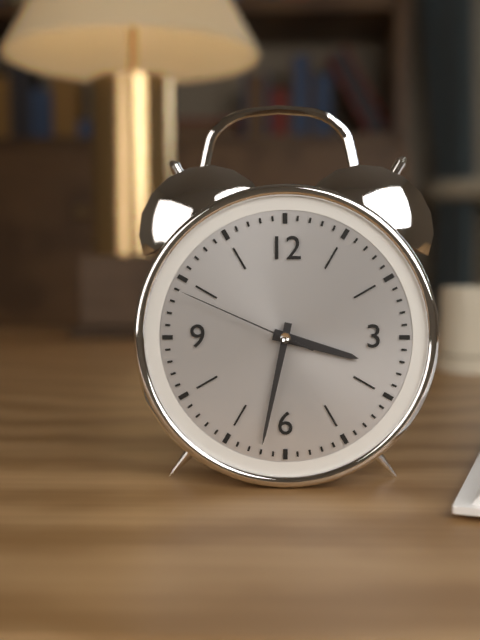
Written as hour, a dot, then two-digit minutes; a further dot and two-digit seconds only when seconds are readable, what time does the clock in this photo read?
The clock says 3.32.49
